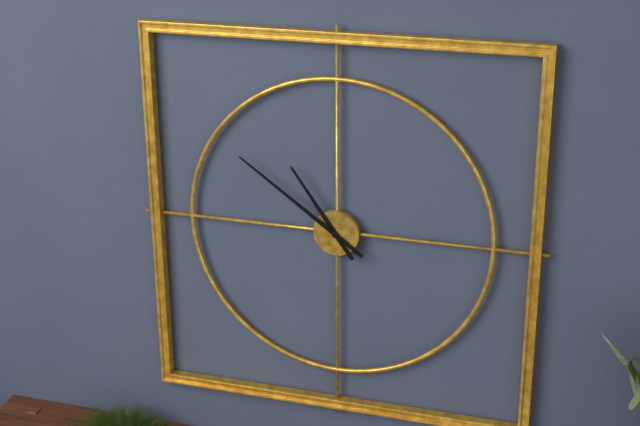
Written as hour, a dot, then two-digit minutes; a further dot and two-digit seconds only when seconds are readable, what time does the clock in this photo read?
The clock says 10.51
